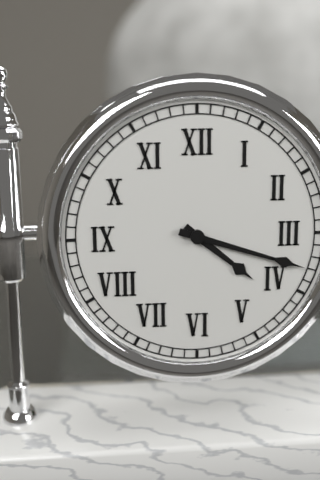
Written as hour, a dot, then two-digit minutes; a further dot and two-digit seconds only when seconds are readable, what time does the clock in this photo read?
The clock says 4.18
